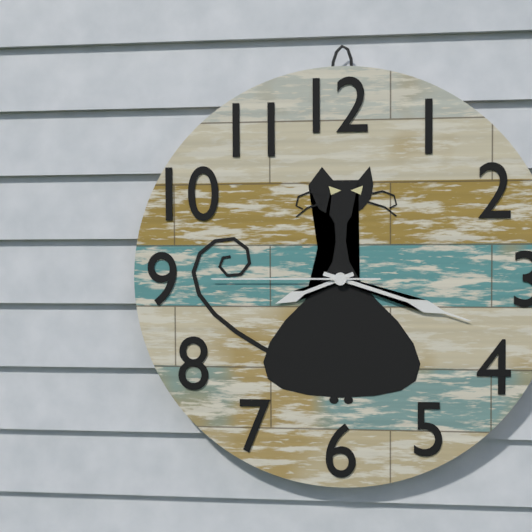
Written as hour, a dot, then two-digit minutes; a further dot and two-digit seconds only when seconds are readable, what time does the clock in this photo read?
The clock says 8.18.45
